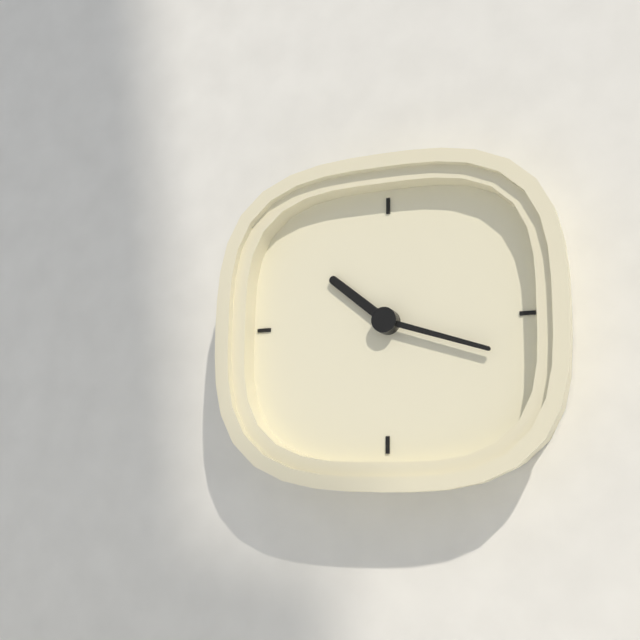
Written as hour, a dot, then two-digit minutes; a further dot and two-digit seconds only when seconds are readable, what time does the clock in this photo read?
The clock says 10.18
